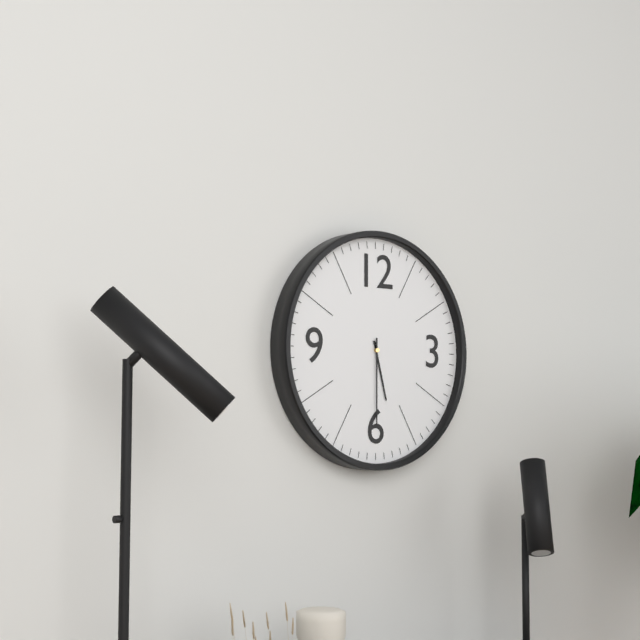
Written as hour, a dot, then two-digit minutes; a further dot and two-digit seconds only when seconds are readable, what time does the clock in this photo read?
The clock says 5.30
